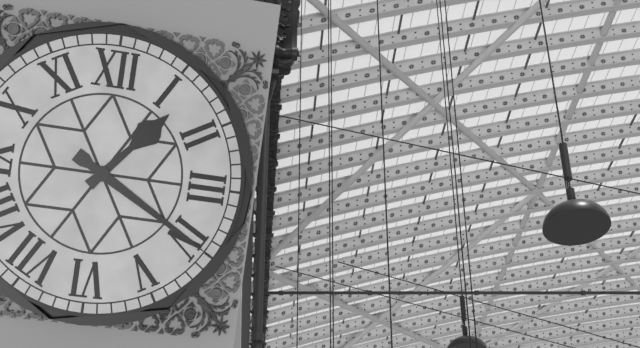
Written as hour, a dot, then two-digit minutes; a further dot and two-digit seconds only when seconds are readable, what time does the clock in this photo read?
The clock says 1.20
